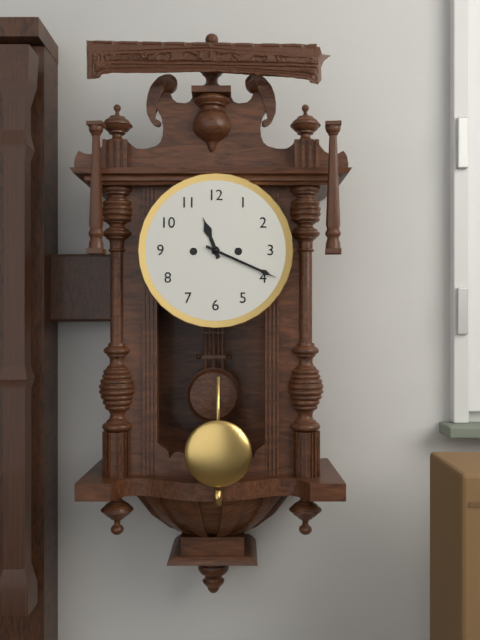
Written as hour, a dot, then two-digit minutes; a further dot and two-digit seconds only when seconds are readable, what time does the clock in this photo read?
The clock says 11.19
